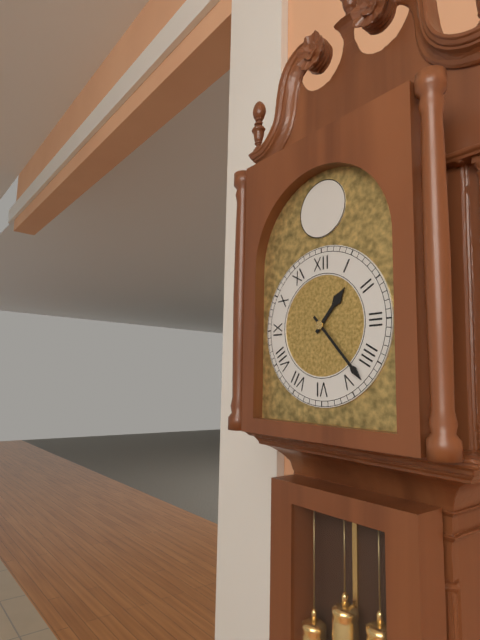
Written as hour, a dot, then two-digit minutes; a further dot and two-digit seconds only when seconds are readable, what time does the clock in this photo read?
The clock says 1.23
